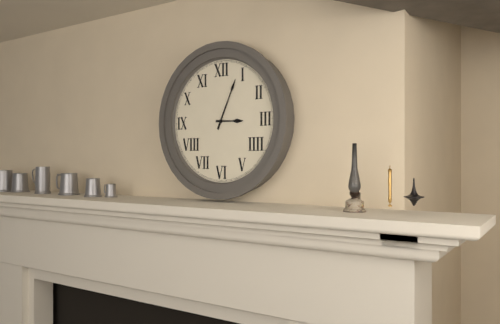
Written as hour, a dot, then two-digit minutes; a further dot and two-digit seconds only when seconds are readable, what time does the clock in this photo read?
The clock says 3.04
